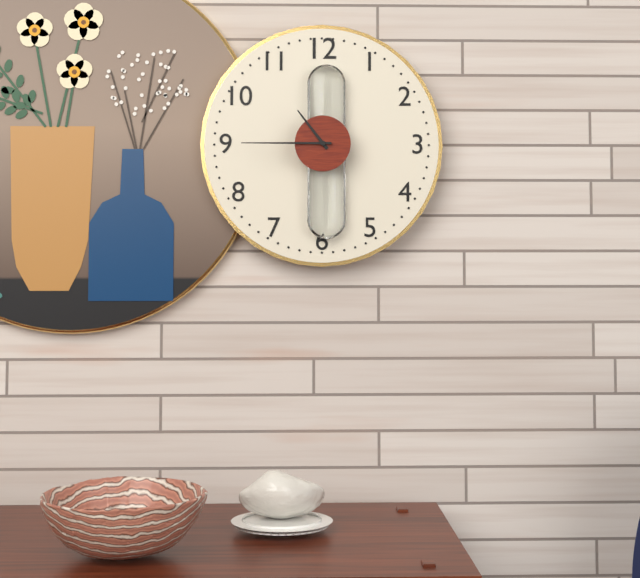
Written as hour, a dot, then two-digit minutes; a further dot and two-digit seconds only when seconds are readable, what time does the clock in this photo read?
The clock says 10.45
